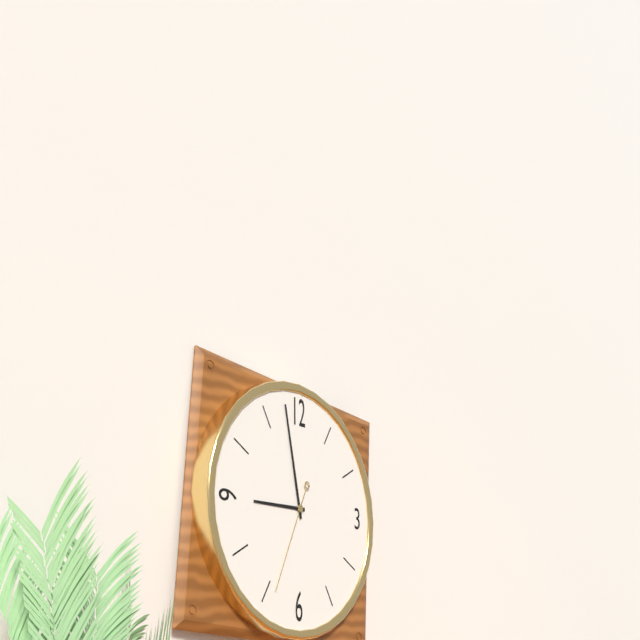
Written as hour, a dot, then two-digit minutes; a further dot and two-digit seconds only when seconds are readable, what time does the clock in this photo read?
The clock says 8.58.34
